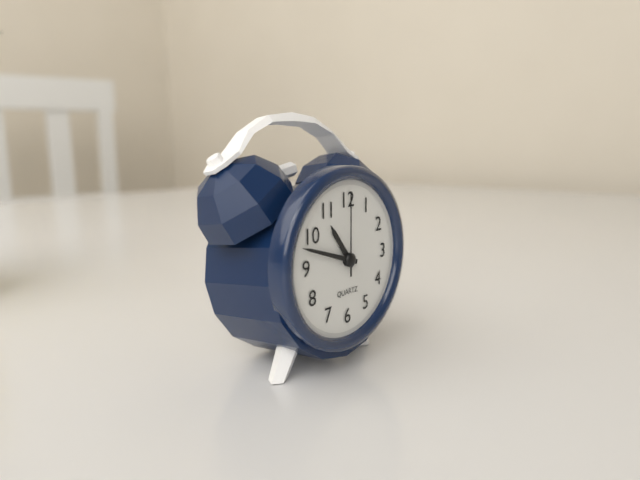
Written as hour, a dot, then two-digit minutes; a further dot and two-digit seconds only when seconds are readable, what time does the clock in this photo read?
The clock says 10.48.00
